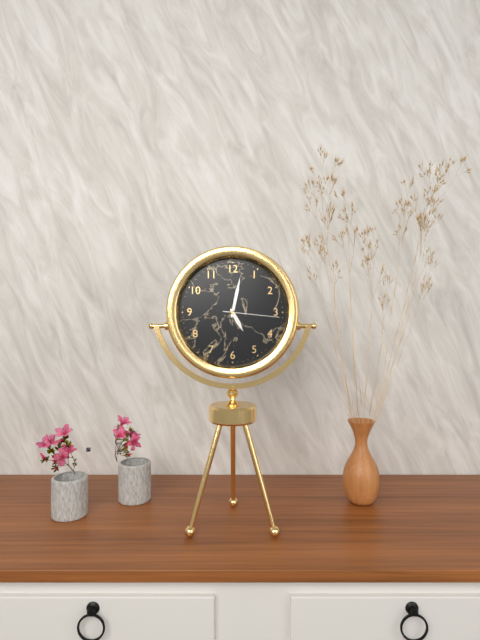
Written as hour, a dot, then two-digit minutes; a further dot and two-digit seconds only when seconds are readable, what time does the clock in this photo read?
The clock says 5.02.16
